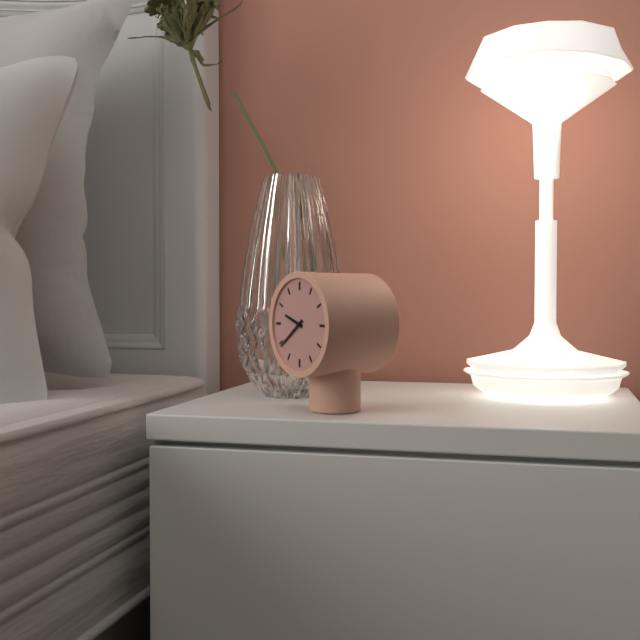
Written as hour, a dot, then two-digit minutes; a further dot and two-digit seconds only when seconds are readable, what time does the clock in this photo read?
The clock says 9.39
